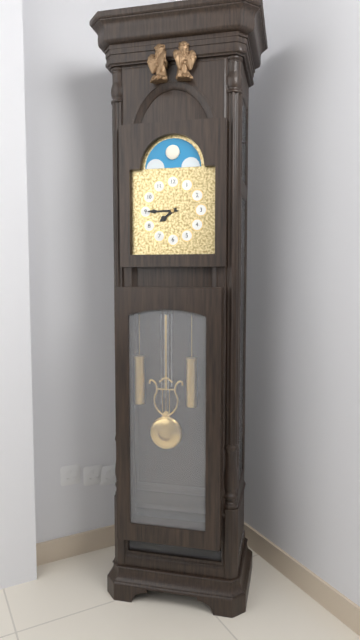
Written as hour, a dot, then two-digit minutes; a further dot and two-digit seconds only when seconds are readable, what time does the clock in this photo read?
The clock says 7.45
